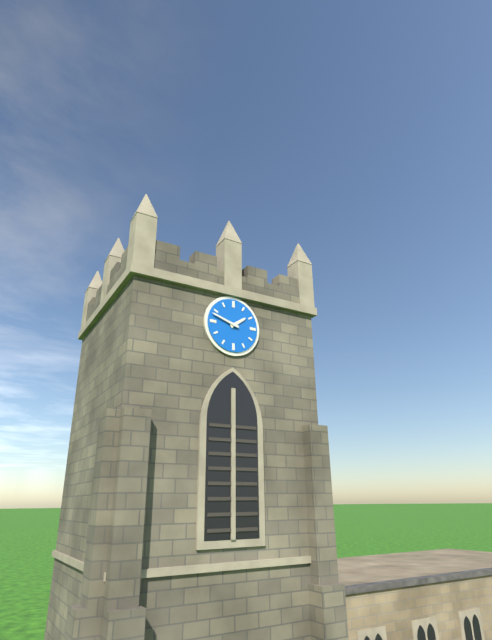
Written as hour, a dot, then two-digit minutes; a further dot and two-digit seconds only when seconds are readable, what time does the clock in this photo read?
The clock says 1.48
